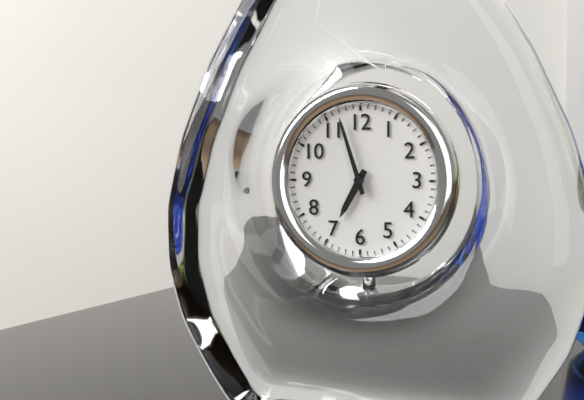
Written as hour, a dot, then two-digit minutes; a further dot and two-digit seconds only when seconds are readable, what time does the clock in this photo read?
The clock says 6.57
